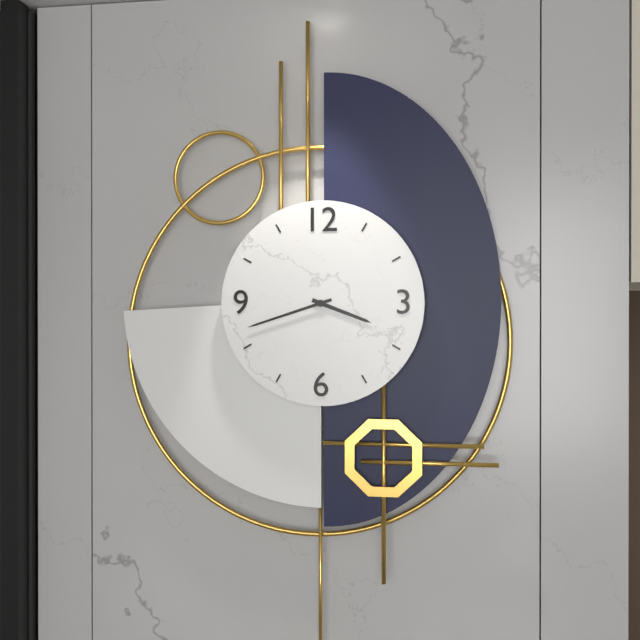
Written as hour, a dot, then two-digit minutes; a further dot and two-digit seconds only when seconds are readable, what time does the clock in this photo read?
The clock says 3.42
